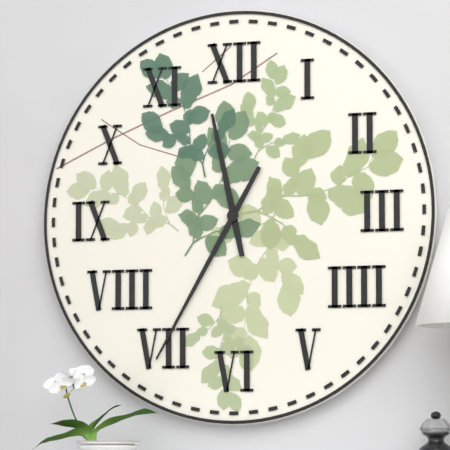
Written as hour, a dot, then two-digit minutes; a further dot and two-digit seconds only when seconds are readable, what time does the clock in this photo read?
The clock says 11.35
